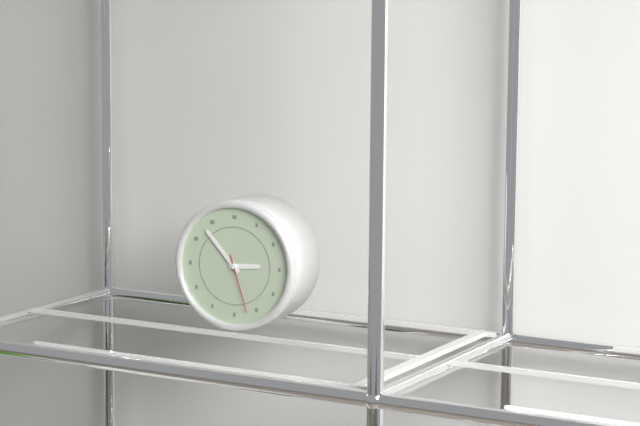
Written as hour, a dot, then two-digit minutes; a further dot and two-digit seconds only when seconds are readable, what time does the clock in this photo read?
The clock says 2.53.27
